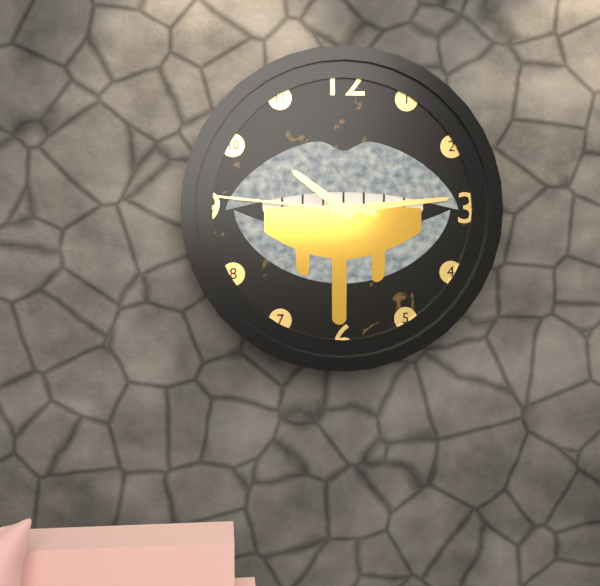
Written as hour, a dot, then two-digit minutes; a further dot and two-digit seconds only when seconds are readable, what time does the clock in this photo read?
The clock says 10.14.46
